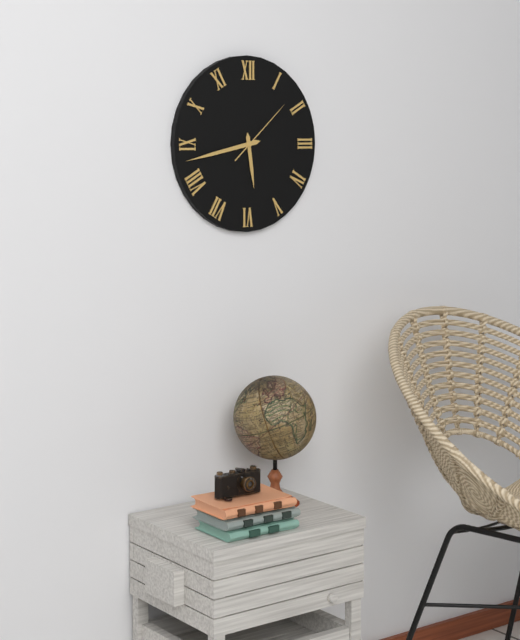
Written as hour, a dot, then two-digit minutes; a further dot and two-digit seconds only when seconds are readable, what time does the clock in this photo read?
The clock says 5.43.08
